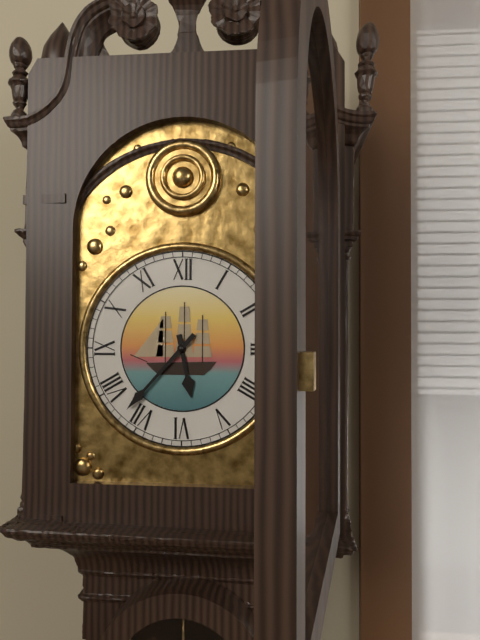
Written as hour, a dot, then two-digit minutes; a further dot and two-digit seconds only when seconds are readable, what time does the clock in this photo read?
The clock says 5.37
